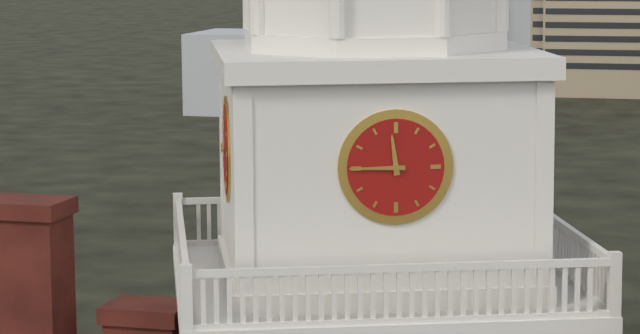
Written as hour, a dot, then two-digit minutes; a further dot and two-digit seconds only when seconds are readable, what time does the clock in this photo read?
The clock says 11.45
